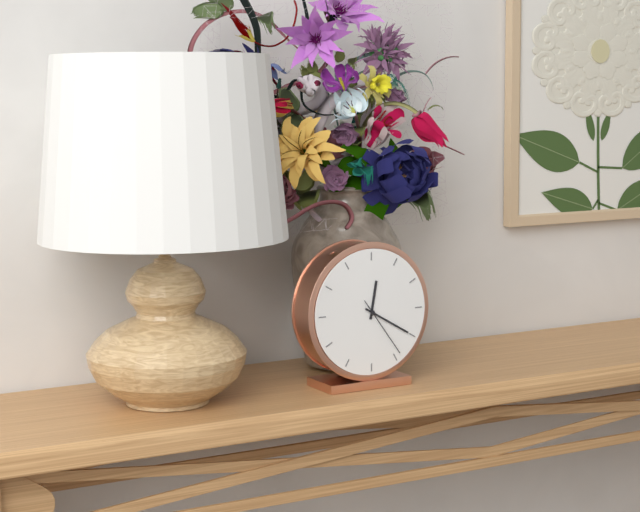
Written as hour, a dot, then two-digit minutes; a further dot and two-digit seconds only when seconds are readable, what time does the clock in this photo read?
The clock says 12.20.24
